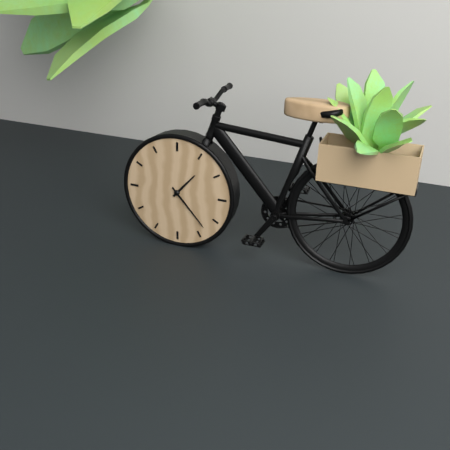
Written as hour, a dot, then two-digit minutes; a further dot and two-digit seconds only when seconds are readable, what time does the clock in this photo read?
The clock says 1.23
